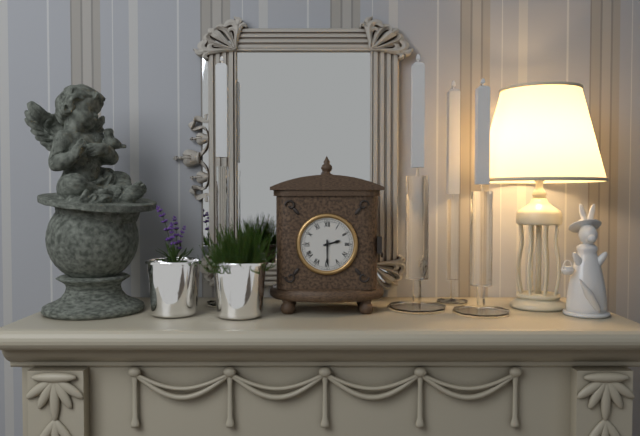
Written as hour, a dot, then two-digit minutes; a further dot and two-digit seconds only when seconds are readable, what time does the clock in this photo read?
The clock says 2.30
